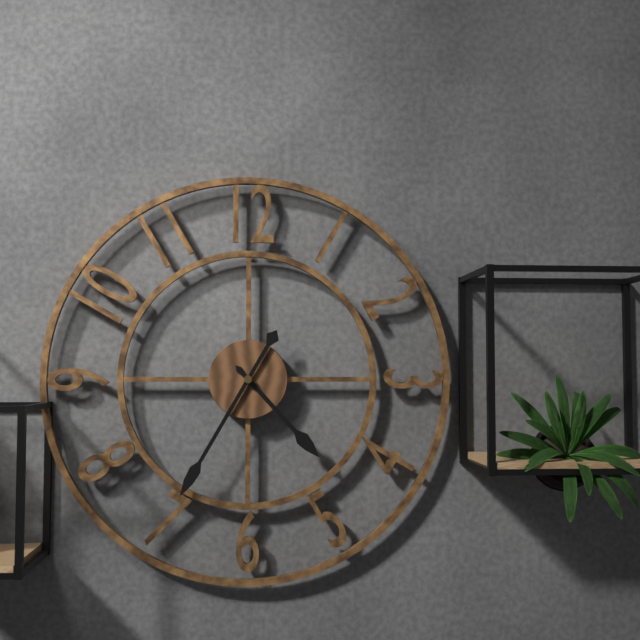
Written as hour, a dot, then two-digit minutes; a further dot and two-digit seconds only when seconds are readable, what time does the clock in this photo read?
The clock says 4.35
